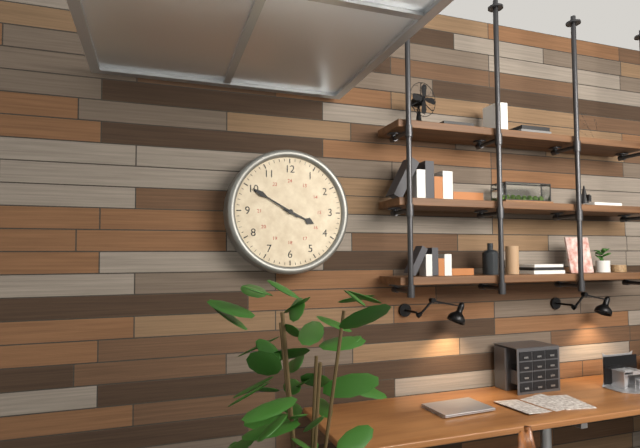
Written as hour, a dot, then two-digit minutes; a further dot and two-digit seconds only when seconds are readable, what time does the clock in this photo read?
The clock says 3.50
